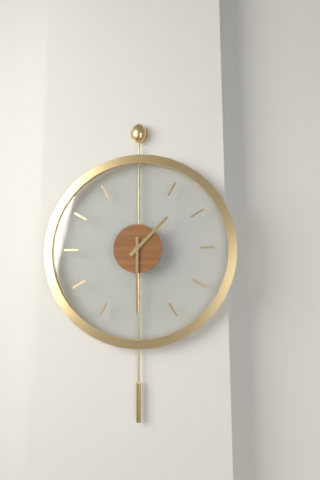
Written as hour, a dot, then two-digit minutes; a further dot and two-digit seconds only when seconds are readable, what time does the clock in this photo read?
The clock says 1.30
